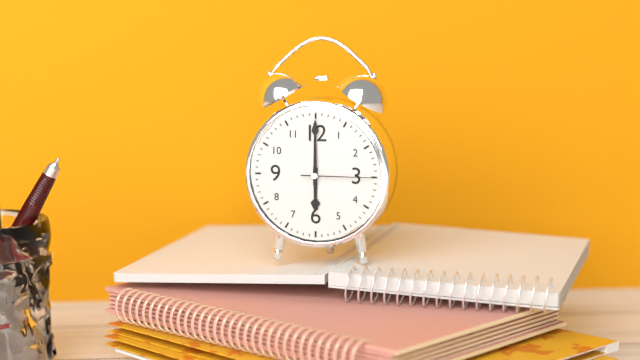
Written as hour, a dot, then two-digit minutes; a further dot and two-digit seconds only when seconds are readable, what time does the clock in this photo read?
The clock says 6.00.15
